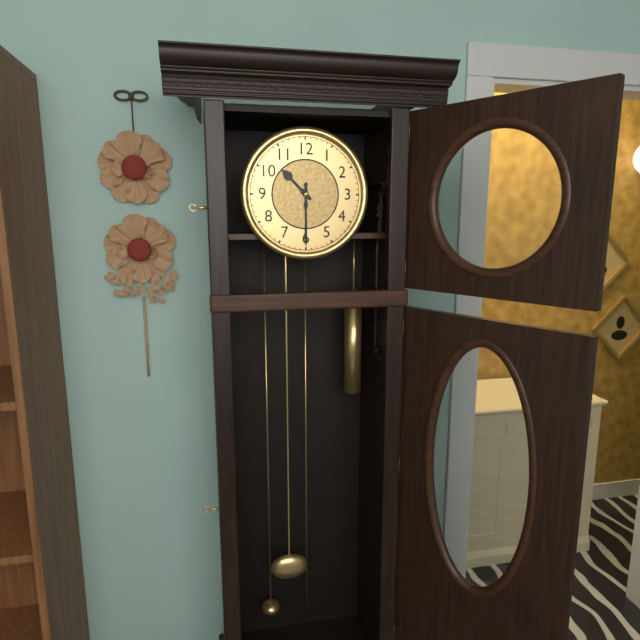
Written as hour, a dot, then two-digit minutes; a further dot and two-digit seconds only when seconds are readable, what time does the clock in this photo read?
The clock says 10.30
